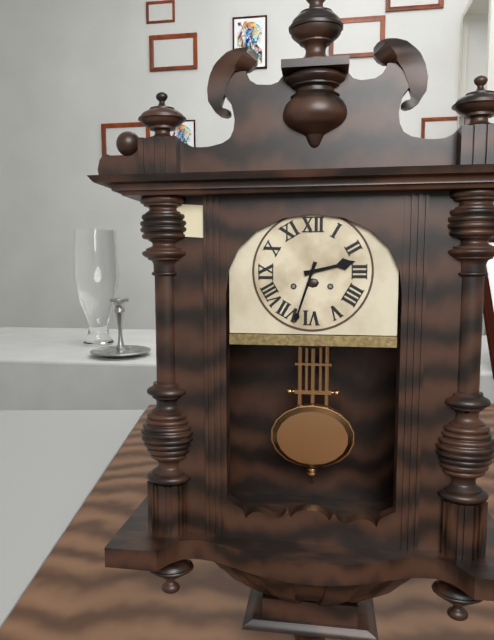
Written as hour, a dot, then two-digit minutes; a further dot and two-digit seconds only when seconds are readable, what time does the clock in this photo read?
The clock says 2.33
